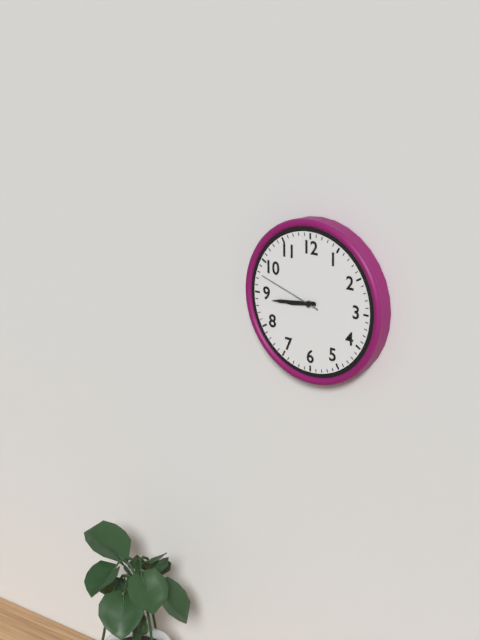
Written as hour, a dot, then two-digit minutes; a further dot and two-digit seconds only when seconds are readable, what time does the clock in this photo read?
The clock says 8.44.48
